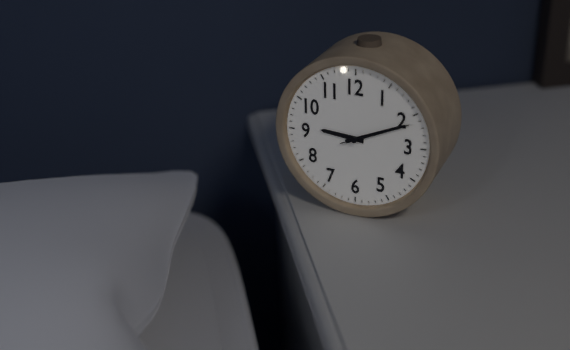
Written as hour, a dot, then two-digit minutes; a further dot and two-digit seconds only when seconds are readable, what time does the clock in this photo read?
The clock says 9.11.11
